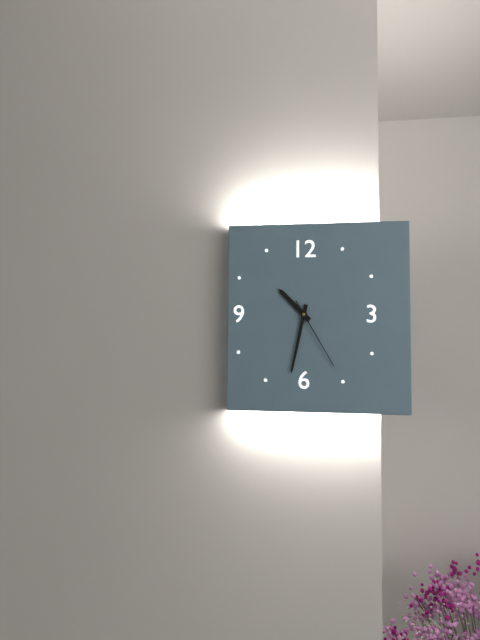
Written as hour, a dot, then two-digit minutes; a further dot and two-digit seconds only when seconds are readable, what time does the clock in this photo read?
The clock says 10.32.25
